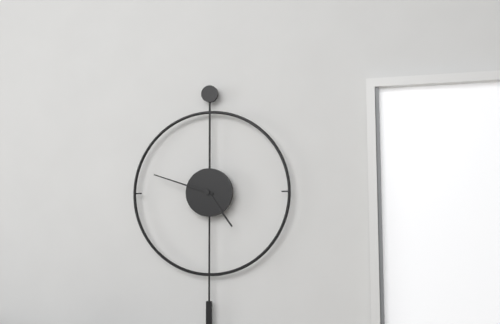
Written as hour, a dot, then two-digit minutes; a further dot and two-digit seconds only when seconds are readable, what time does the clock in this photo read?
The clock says 4.48
